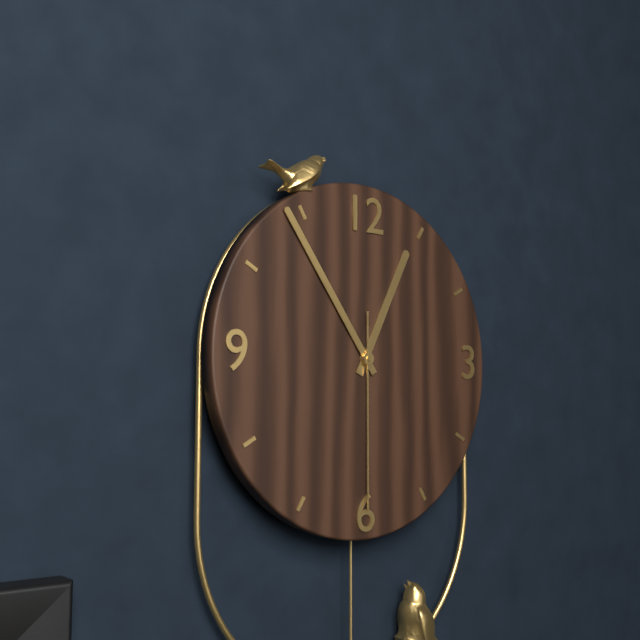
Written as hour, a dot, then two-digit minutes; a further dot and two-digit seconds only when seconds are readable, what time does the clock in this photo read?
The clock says 12.54.30
